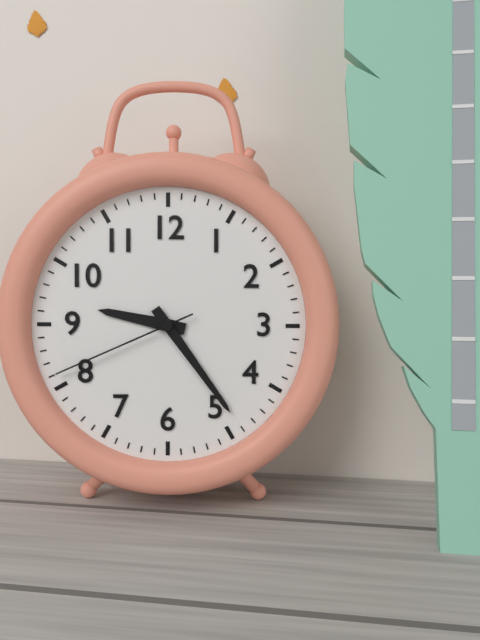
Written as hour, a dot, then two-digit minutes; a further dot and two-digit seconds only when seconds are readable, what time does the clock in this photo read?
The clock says 9.24.41
